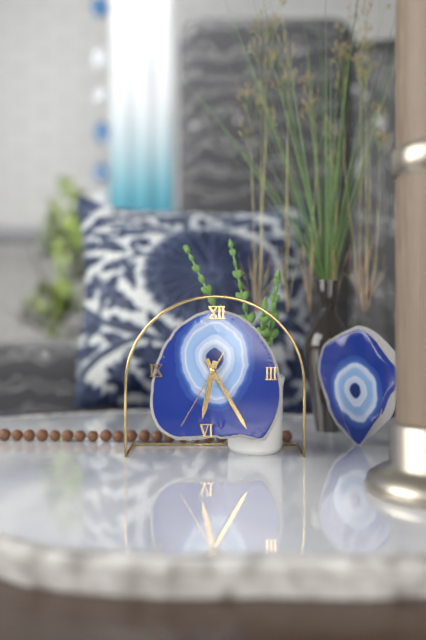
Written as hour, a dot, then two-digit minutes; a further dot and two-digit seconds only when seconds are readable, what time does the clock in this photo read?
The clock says 6.25.35
